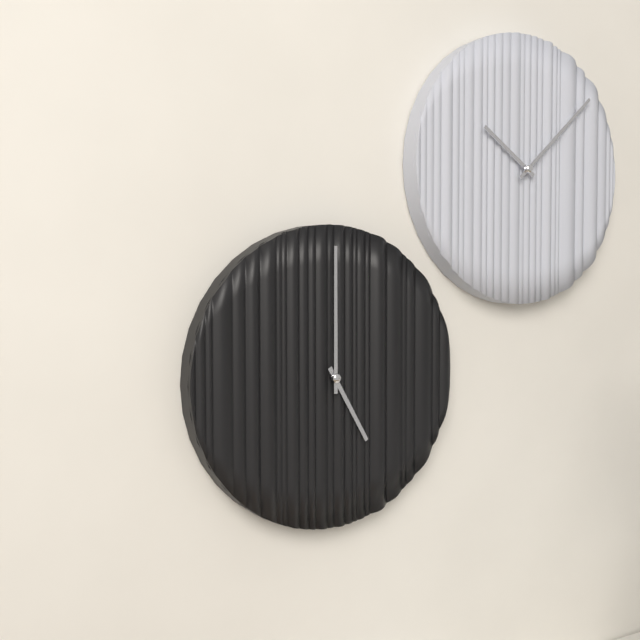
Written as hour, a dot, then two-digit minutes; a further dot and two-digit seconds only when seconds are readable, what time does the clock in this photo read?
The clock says 5.00
